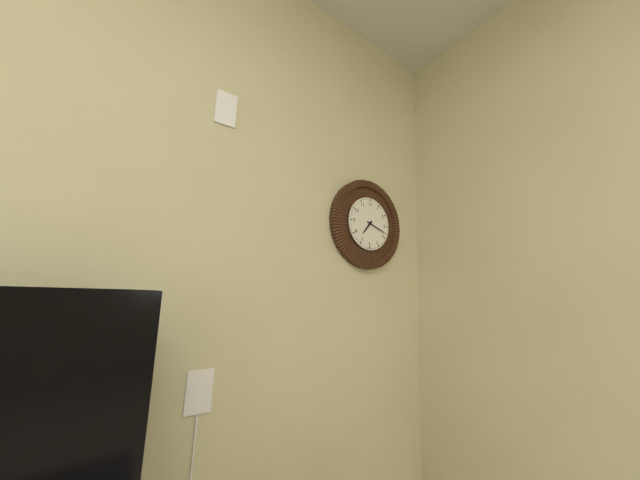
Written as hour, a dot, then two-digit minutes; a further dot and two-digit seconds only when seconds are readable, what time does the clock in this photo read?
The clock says 7.18
